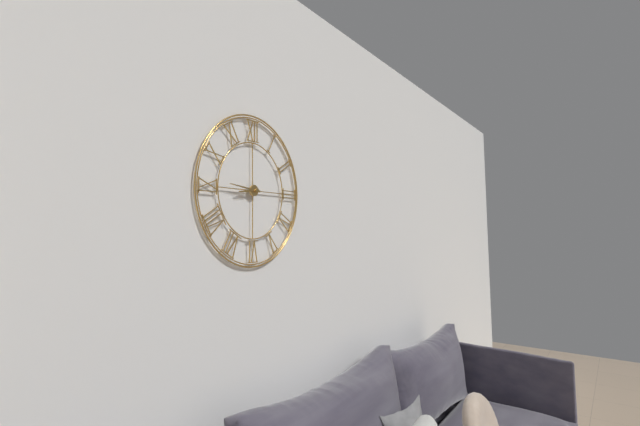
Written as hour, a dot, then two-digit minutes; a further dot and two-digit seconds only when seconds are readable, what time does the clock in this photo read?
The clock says 8.46
